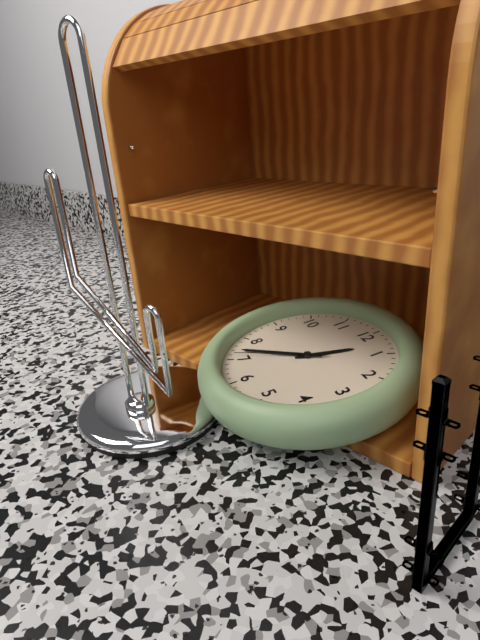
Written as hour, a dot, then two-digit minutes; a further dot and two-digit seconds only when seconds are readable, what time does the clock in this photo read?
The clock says 12.37.36
